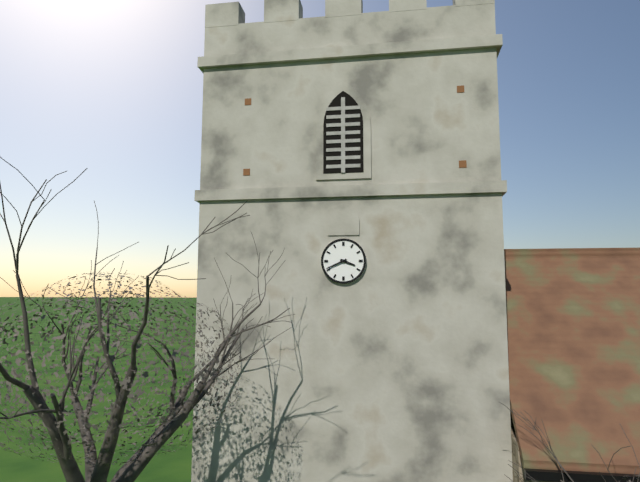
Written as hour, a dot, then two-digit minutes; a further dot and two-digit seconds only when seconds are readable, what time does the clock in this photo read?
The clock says 3.41
